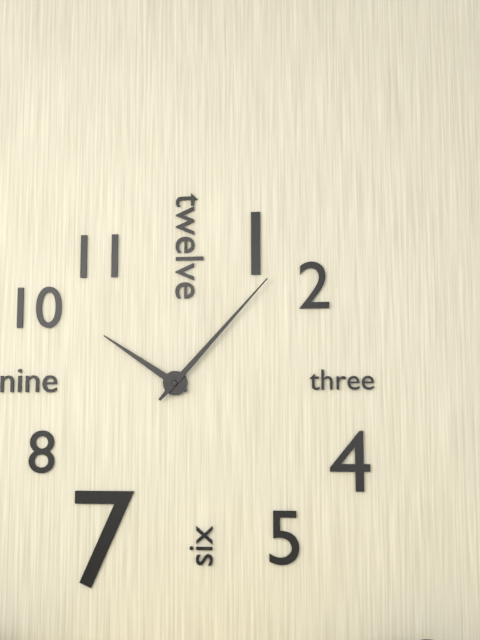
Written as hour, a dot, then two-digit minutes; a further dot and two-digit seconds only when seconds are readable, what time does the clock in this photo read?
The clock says 10.07
